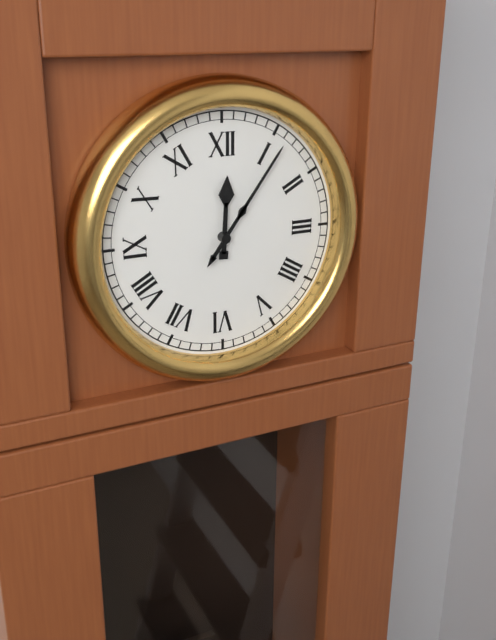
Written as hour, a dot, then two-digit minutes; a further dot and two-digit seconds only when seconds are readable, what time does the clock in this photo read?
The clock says 12.06
